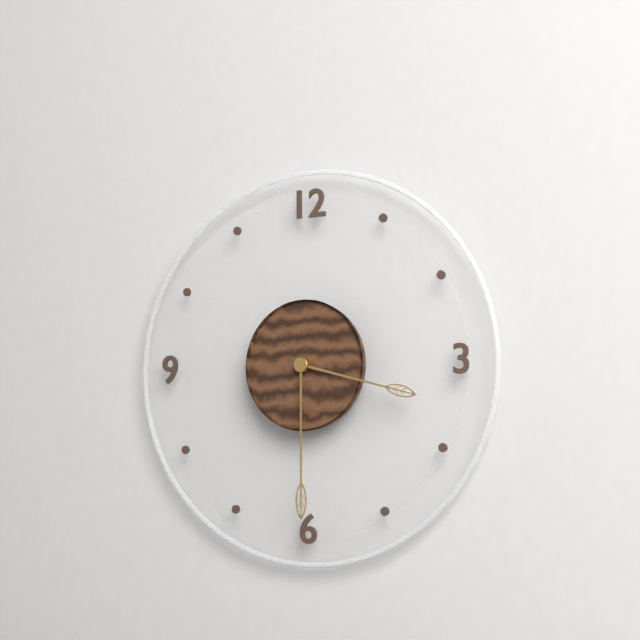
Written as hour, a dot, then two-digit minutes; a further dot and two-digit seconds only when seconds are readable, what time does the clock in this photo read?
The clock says 3.30
